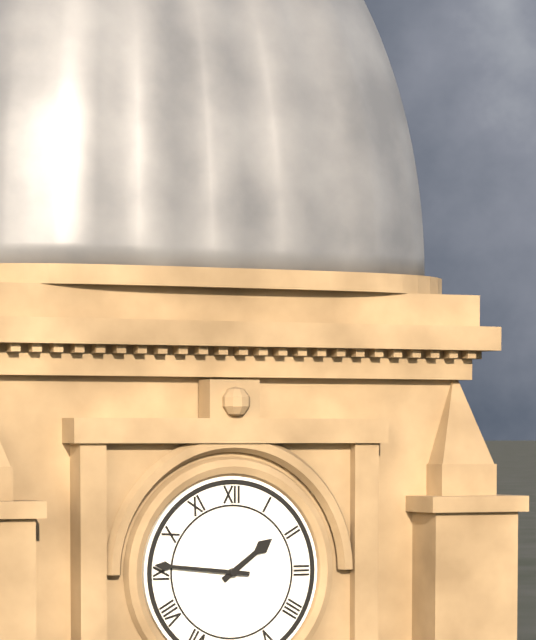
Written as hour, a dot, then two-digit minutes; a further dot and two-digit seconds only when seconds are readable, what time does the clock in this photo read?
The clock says 1.46
